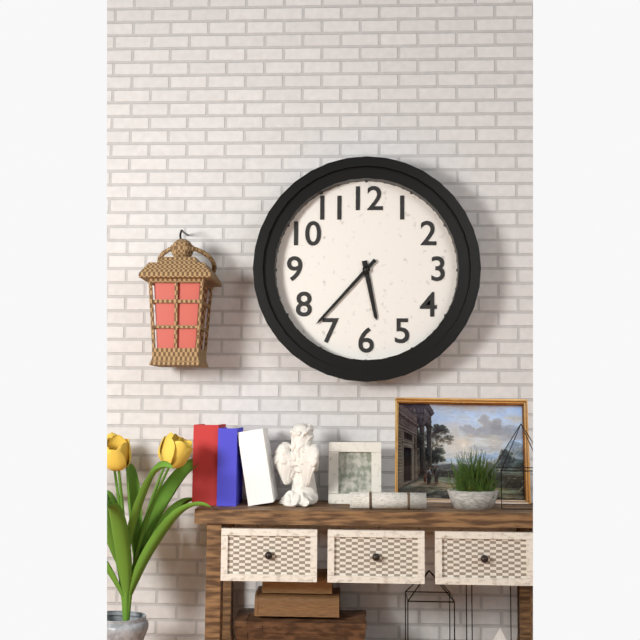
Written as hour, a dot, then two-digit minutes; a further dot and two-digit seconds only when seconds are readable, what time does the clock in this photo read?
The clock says 5.37
